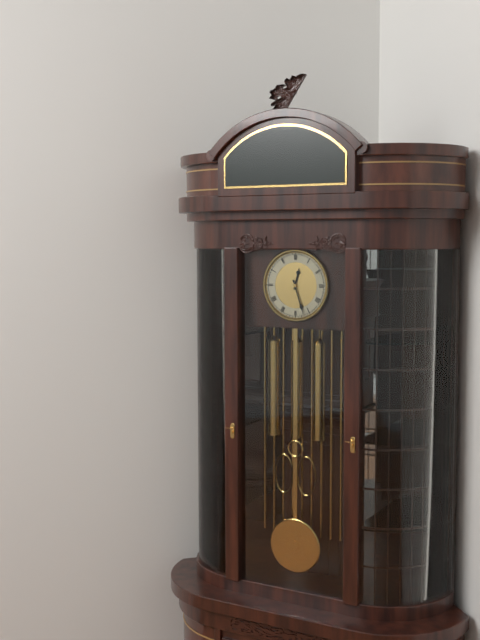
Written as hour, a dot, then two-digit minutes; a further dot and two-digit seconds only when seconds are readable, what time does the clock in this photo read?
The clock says 12.27
